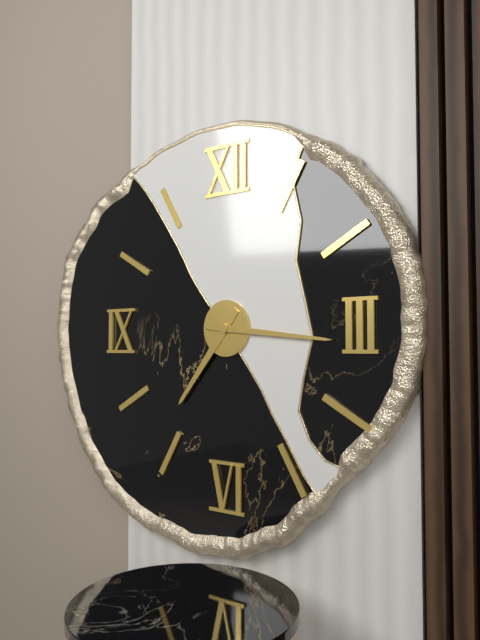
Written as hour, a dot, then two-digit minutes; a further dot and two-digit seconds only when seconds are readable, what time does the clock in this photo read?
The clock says 7.16
